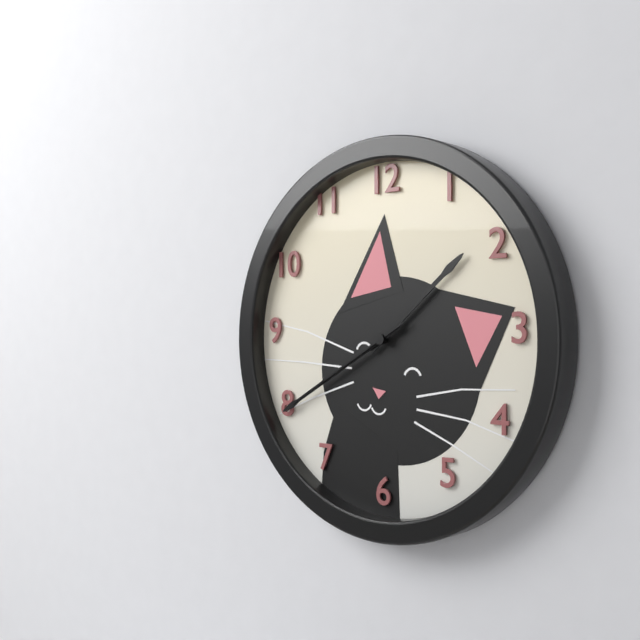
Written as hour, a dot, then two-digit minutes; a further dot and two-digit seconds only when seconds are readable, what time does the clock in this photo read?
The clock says 1.40.40
